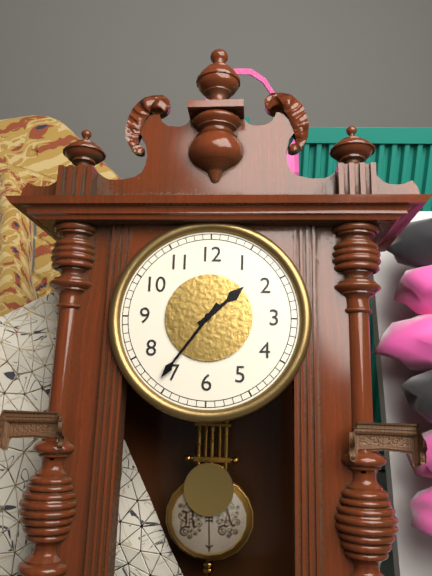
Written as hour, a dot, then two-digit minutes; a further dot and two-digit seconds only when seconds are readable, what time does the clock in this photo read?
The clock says 1.36
